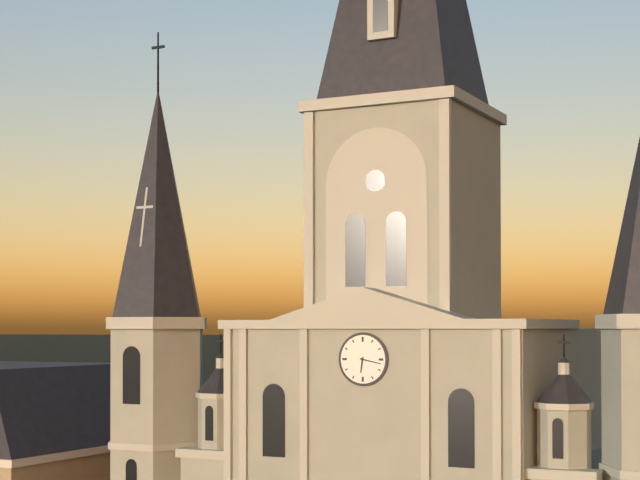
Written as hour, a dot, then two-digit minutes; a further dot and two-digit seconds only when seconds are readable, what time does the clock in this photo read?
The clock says 6.17
